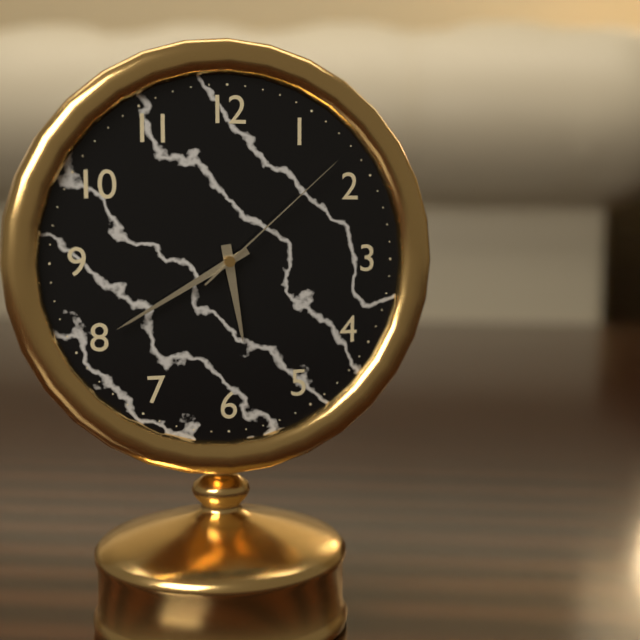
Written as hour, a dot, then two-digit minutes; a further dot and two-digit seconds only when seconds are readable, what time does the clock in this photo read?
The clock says 5.40.08
